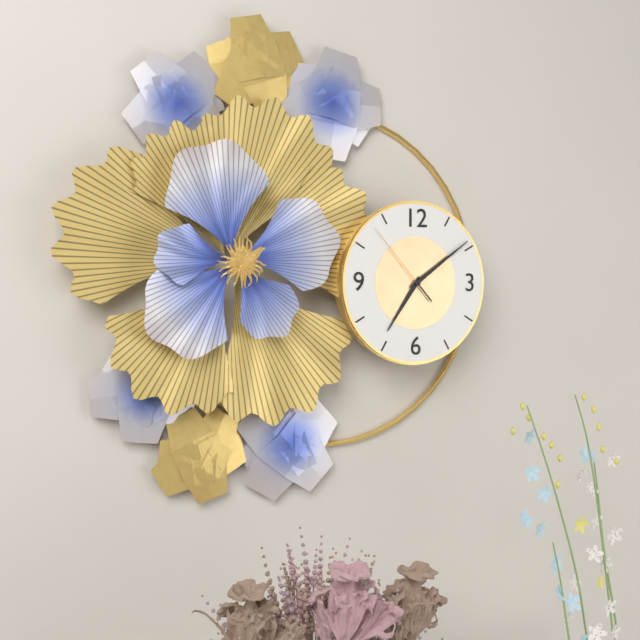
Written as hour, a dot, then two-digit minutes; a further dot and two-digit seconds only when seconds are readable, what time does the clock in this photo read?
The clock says 7.09.53
